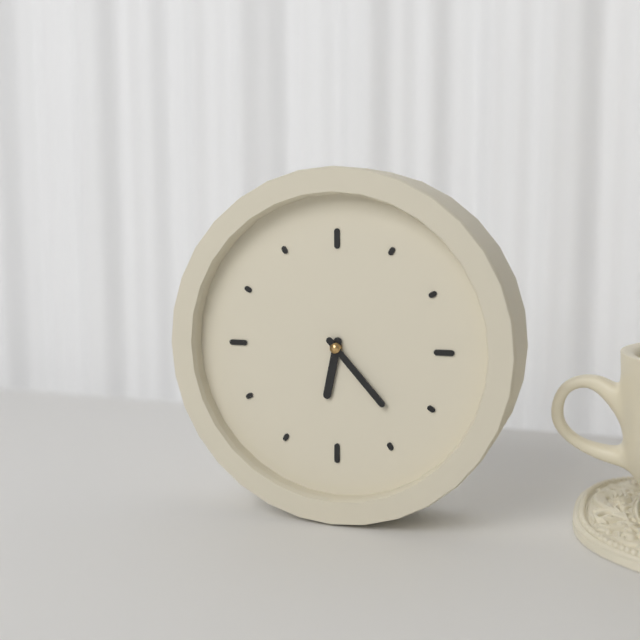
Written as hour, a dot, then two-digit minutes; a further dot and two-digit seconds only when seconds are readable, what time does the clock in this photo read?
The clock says 6.23
